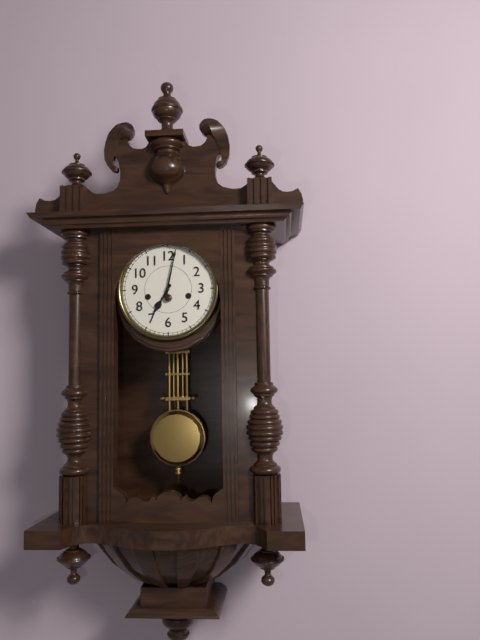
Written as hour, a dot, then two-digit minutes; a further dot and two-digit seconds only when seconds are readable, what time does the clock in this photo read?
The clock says 7.02
